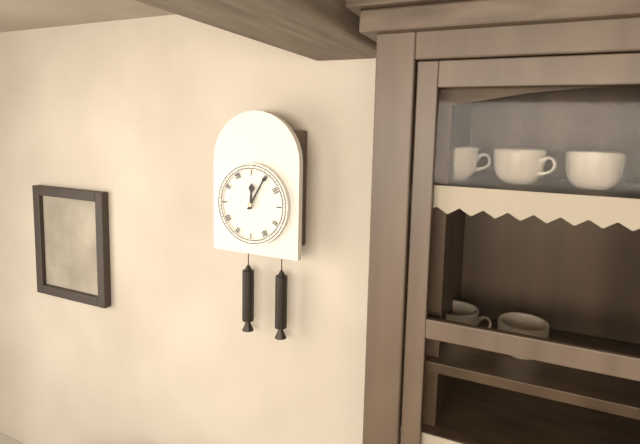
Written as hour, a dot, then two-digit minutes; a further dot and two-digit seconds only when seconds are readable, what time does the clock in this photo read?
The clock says 12.05
